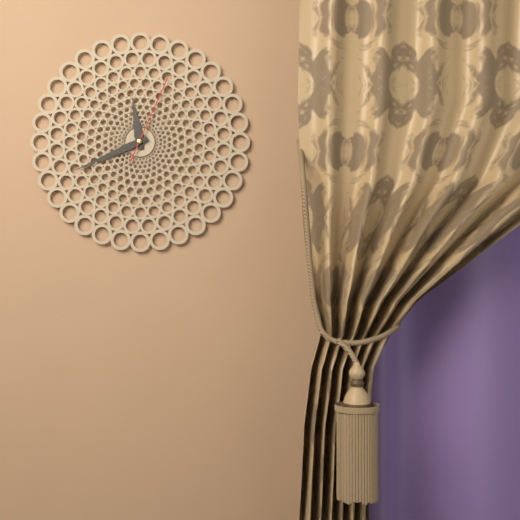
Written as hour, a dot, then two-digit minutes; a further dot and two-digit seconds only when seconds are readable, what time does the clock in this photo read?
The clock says 11.41.04
